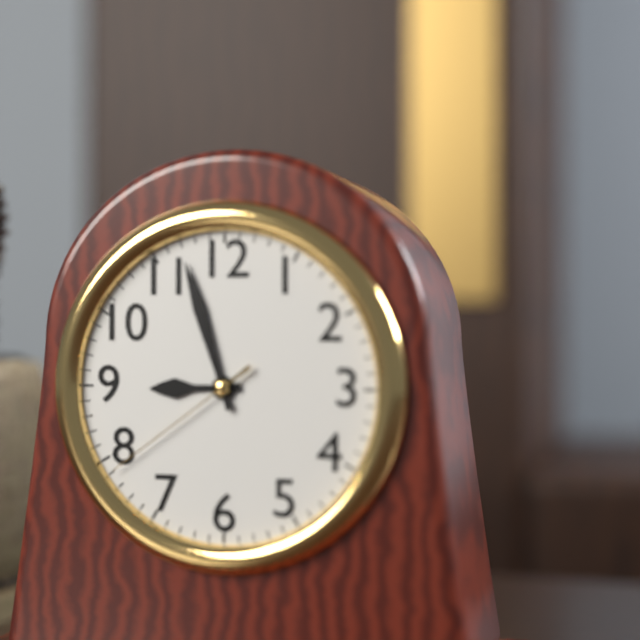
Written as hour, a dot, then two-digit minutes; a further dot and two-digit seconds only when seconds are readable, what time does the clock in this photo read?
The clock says 8.57.39
